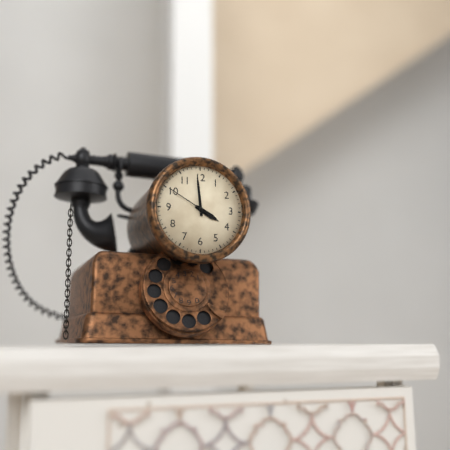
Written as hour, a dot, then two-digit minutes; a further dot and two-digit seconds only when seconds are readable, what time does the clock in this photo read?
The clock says 3.59
